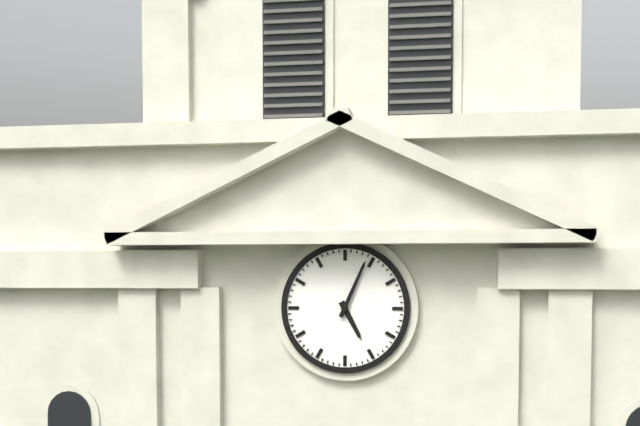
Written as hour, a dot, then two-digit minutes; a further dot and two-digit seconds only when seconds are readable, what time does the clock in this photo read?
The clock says 5.04
